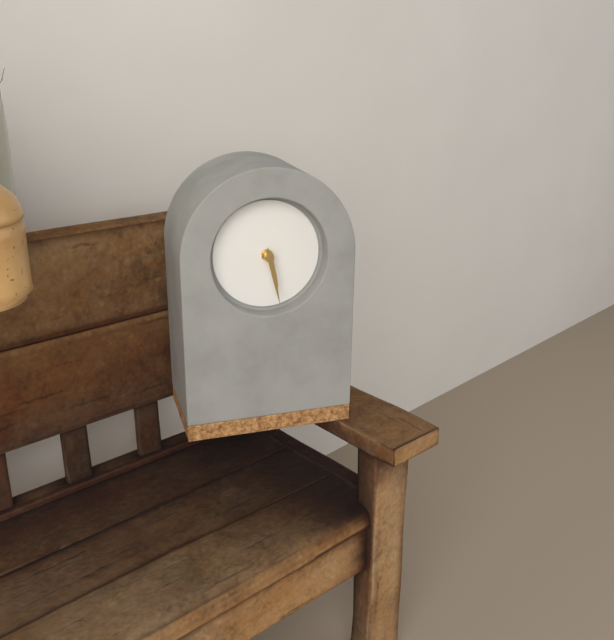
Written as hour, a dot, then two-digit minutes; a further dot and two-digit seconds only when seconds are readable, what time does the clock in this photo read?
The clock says 5.28
